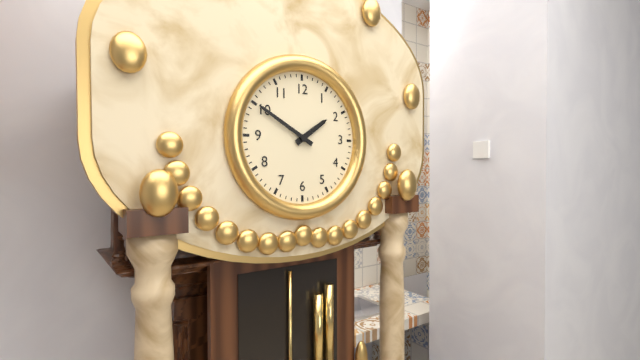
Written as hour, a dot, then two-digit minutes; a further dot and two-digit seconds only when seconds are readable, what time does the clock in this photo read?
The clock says 1.50
